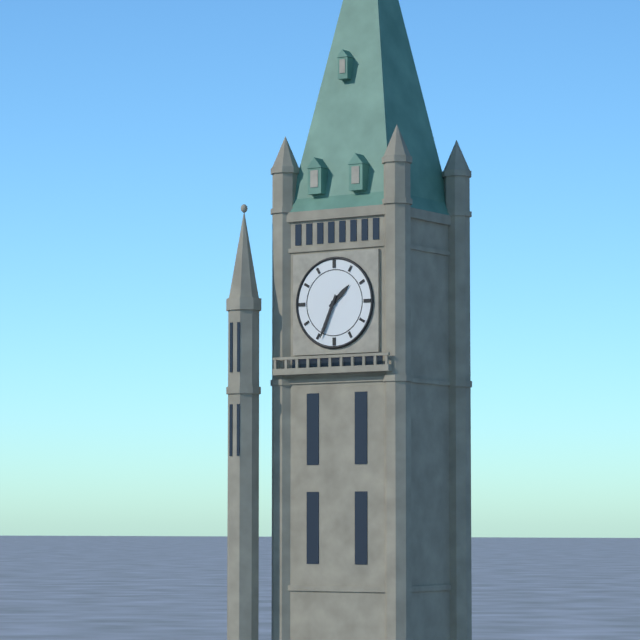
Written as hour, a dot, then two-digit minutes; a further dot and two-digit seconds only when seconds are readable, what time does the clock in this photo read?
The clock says 1.34
